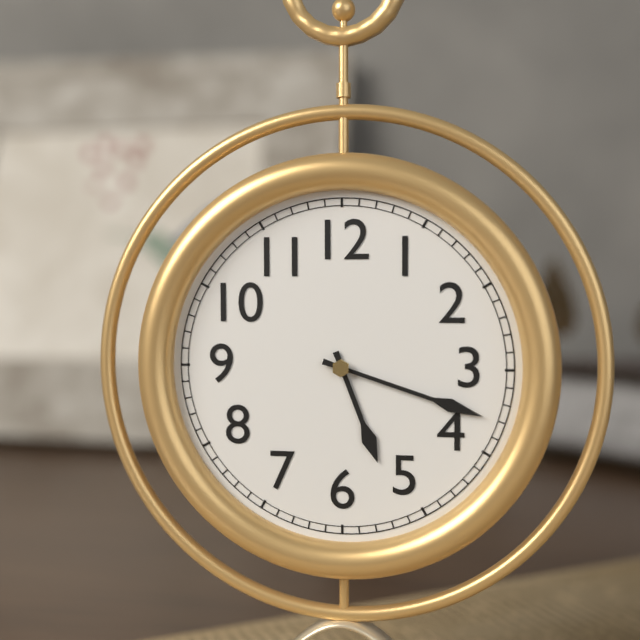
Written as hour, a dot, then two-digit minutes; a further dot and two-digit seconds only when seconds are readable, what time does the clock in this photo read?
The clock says 5.18
